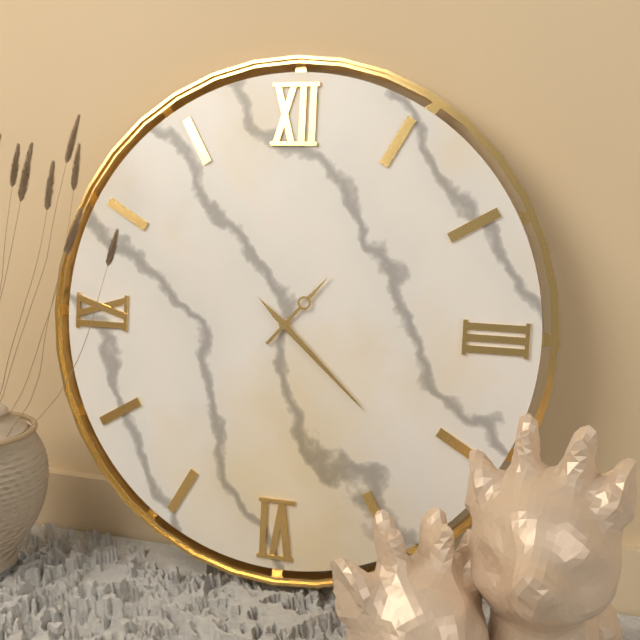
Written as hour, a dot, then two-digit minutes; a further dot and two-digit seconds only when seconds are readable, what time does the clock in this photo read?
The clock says 1.22
